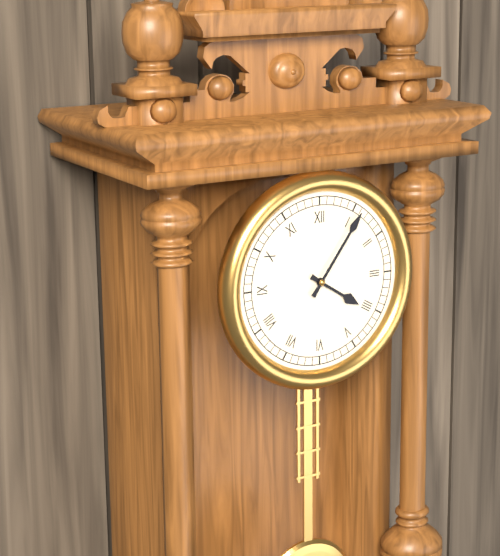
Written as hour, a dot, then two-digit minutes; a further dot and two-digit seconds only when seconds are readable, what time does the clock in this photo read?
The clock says 4.06
